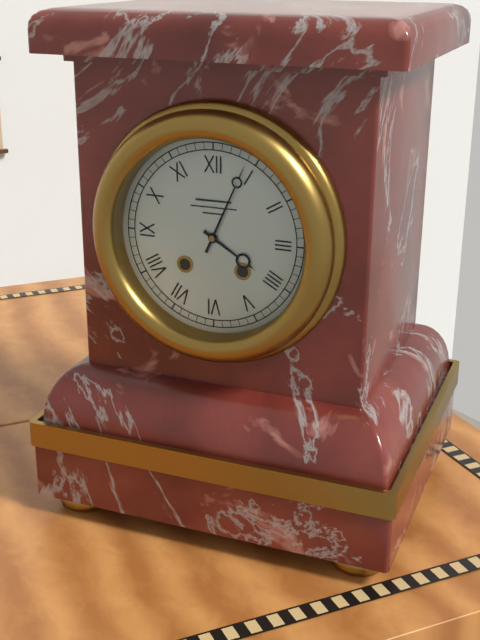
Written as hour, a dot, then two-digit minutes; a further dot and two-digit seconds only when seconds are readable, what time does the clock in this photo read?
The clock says 4.04
